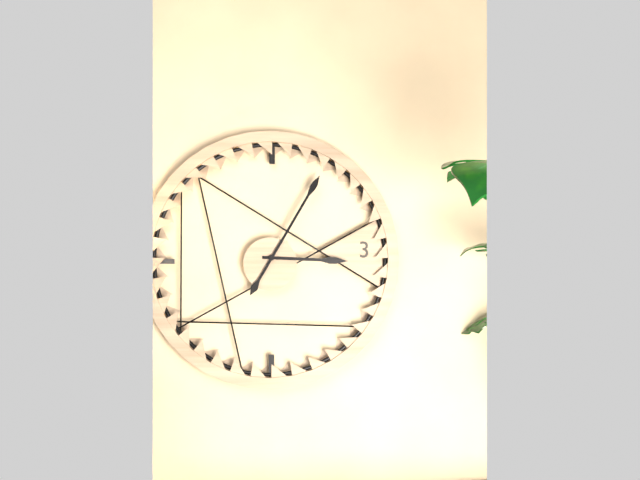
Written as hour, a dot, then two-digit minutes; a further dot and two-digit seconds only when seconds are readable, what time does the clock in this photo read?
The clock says 3.05
